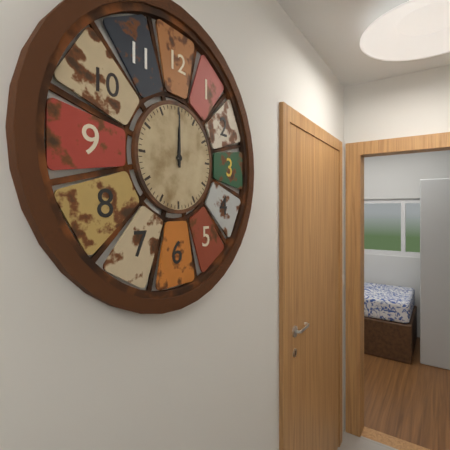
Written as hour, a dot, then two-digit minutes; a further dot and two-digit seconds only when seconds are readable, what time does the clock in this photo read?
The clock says 12.00
